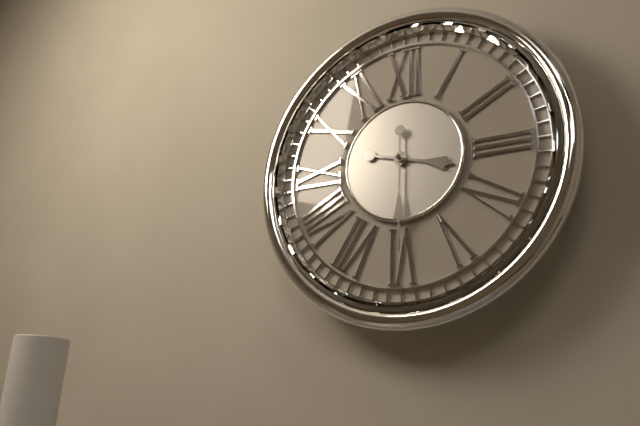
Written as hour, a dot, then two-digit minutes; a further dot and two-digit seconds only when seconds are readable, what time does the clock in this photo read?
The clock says 3.30
